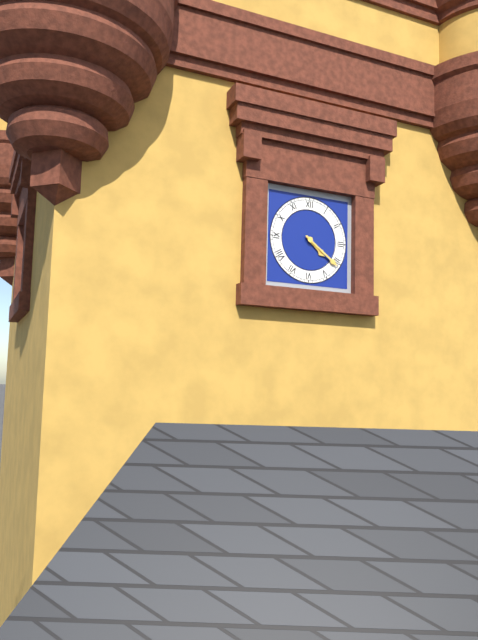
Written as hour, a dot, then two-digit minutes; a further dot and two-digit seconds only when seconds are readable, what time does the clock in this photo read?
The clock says 4.21
